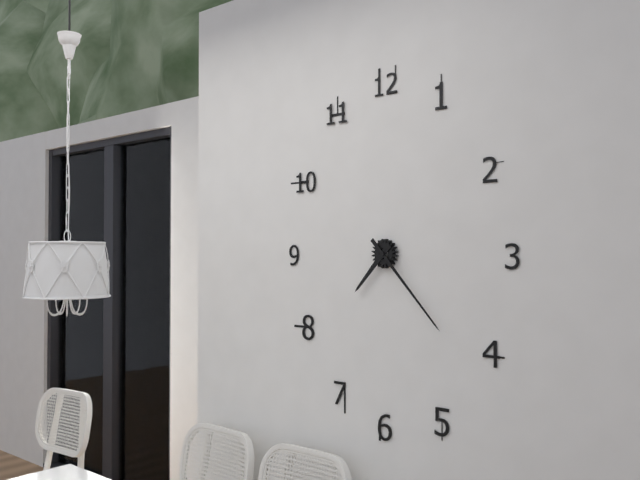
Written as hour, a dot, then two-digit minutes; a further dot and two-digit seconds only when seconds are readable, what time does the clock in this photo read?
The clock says 7.23
